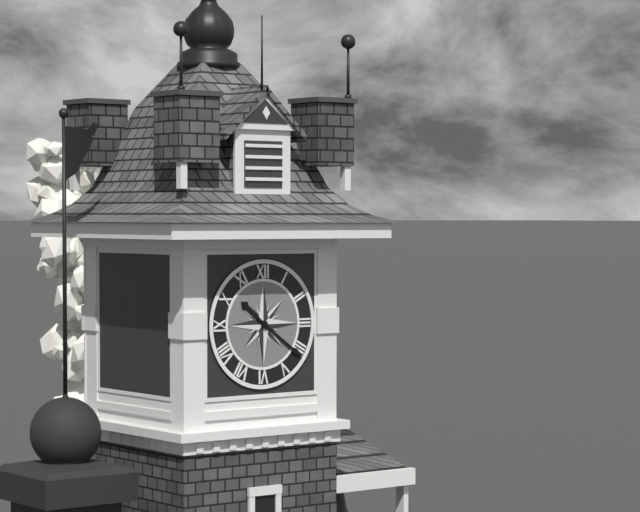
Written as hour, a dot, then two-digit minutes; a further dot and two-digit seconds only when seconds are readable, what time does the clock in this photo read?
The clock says 10.21
